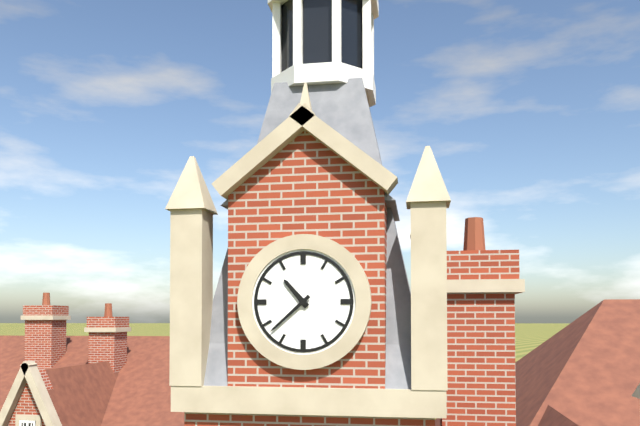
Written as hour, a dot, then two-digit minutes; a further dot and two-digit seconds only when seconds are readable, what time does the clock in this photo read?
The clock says 10.38
